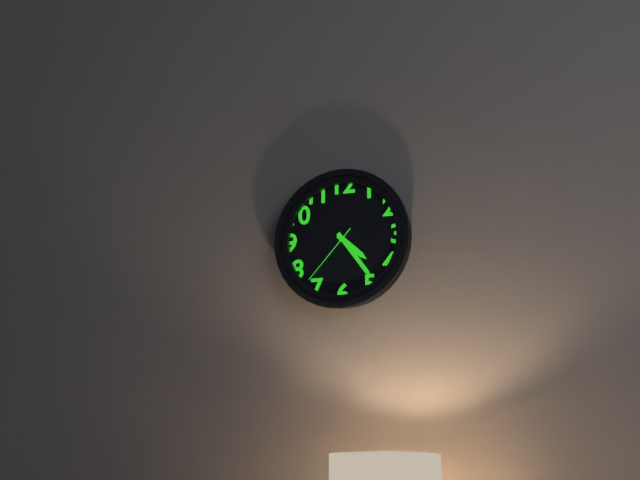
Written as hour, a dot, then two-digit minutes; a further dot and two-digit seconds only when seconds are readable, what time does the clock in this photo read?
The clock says 4.24.37
